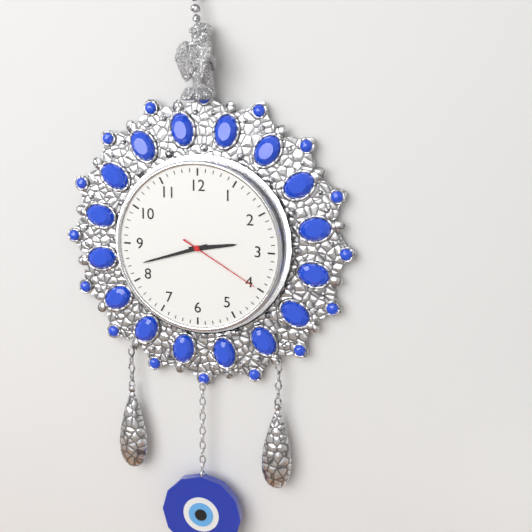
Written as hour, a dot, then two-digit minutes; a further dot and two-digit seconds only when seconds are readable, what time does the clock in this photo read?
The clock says 2.42.20
